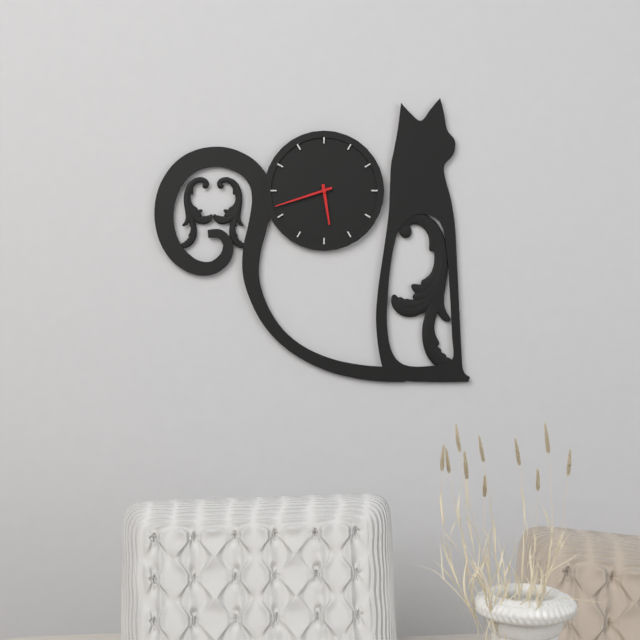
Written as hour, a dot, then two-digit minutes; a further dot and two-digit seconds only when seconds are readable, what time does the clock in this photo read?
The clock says 5.42
